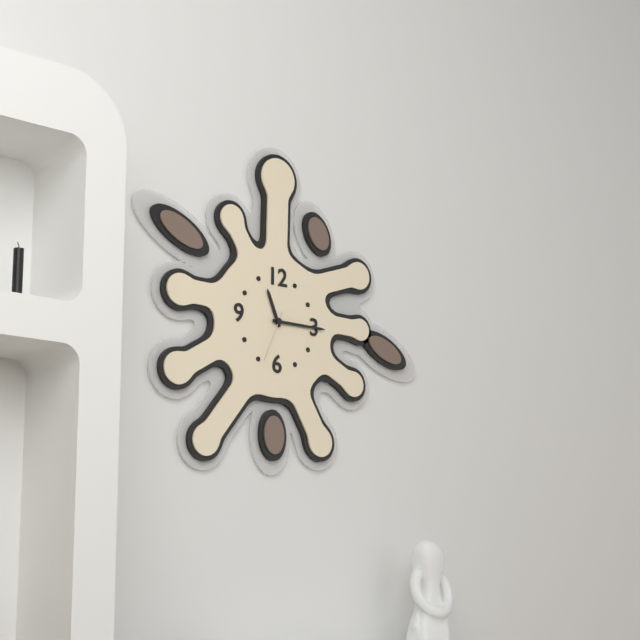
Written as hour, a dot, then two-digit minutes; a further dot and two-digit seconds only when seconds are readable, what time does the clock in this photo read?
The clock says 11.15.34
